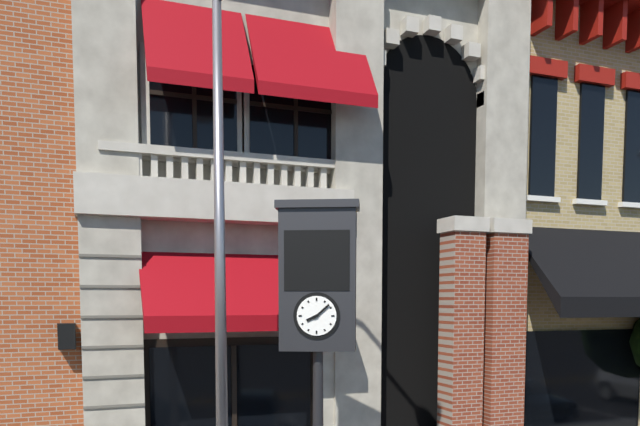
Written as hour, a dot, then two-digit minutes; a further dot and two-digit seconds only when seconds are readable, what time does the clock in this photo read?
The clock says 8.08
